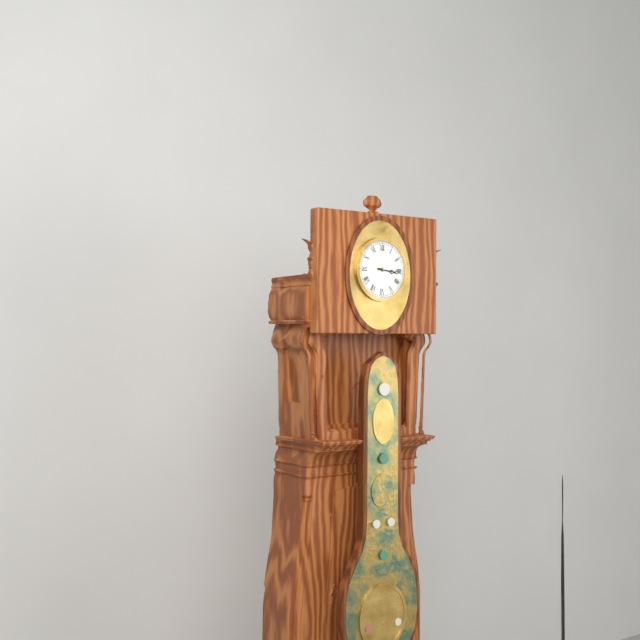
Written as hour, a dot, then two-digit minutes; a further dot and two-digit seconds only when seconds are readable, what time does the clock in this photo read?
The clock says 3.16
